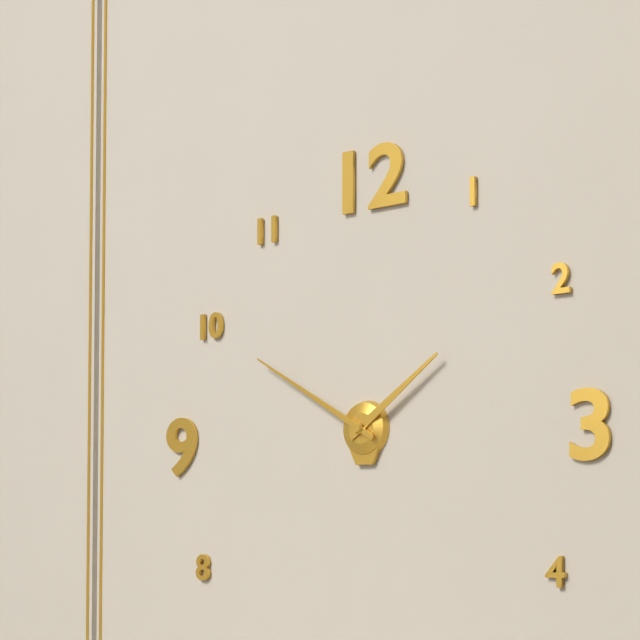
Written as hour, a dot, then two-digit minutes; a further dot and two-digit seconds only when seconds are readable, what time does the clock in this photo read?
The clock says 1.50
